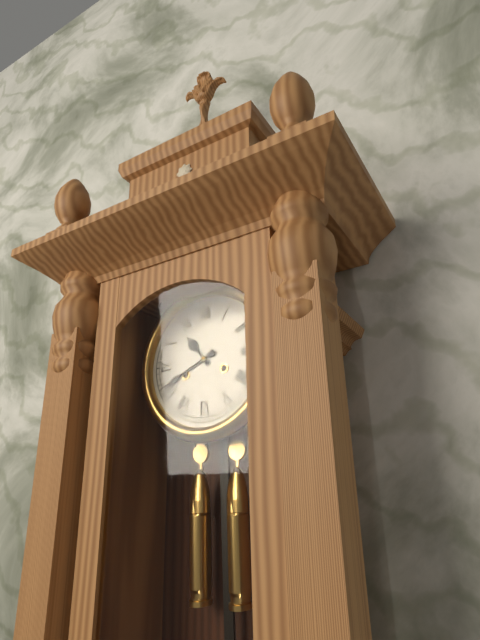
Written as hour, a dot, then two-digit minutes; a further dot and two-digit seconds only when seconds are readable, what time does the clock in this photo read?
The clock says 10.41
